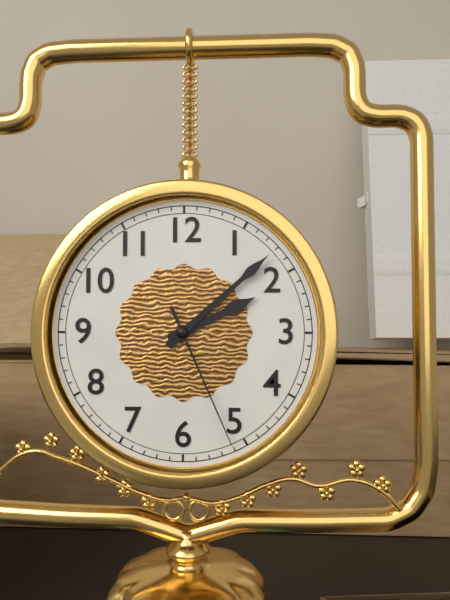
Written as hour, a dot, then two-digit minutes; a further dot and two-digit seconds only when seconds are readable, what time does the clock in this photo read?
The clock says 2.08.26
